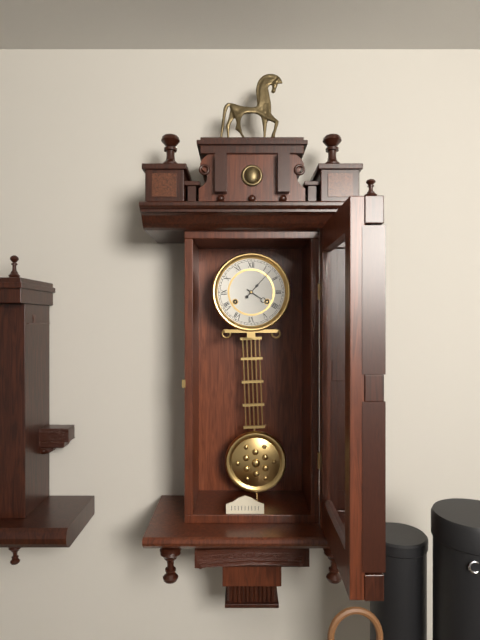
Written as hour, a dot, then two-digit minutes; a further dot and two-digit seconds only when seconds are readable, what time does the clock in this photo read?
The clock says 4.07
